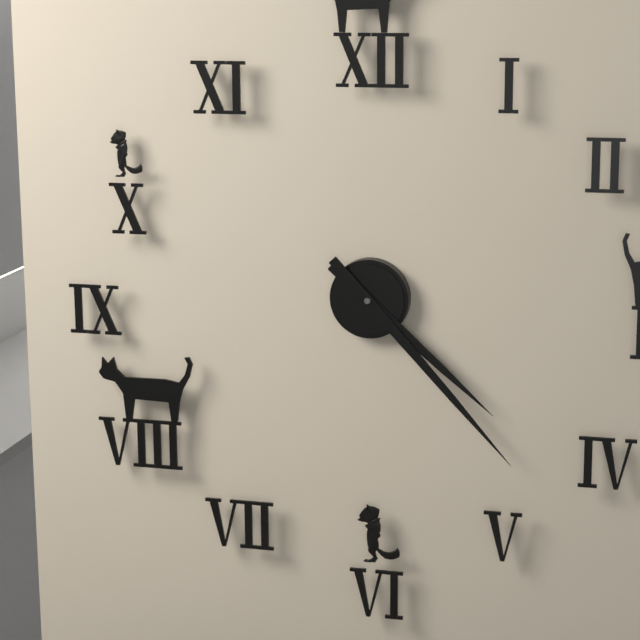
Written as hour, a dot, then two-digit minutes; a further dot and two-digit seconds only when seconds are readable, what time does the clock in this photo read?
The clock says 4.23
